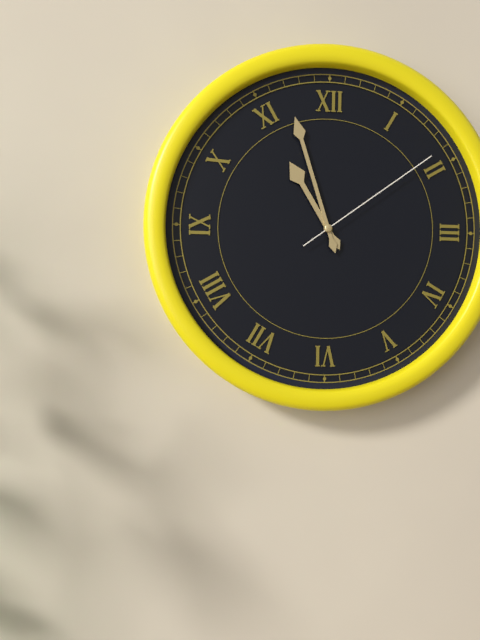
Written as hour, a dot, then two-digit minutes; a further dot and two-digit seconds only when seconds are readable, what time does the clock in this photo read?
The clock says 10.57.09
